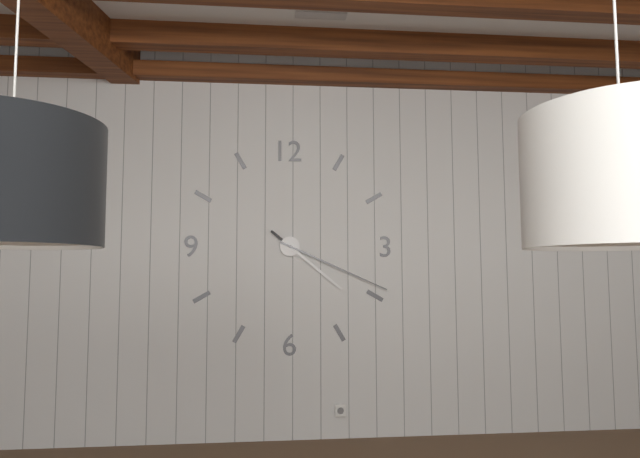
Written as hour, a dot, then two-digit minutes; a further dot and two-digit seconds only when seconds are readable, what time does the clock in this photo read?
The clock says 4.19
